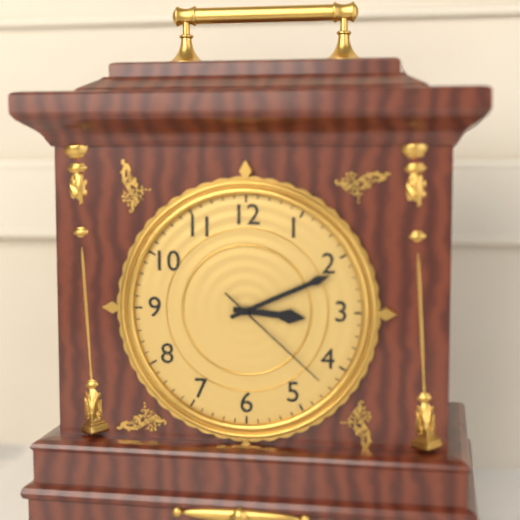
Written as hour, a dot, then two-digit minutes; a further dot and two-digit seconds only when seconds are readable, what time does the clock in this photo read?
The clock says 3.11.22
